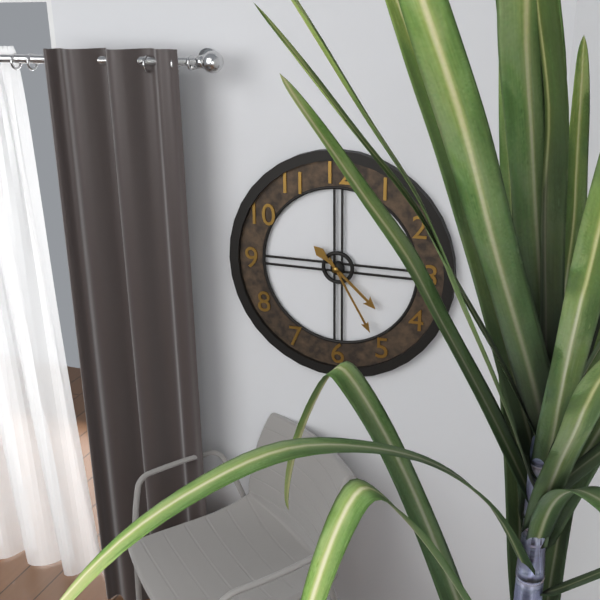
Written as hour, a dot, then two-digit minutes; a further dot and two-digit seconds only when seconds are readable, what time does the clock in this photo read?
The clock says 4.25
